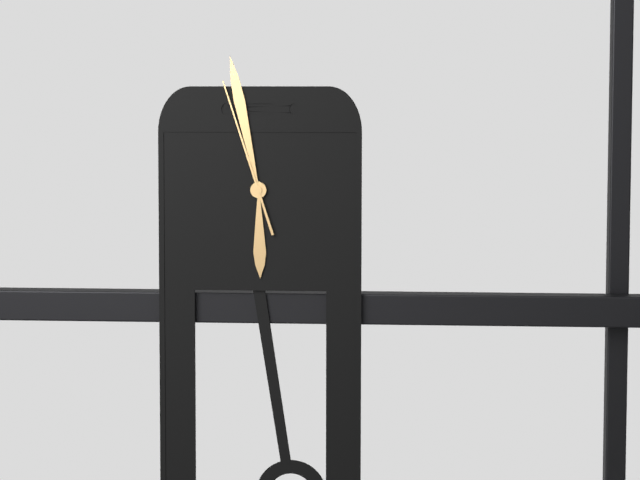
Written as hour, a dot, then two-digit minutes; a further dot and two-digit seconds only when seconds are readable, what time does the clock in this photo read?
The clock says 5.58.57
